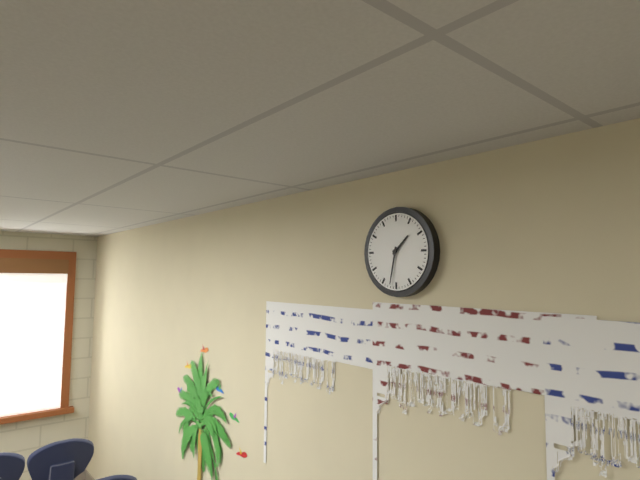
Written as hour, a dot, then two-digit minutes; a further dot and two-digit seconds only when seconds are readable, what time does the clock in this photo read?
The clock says 1.32
